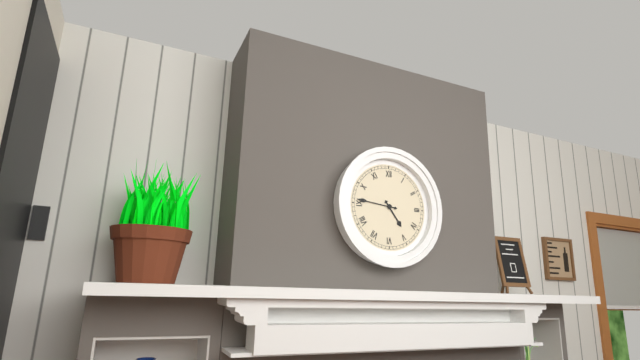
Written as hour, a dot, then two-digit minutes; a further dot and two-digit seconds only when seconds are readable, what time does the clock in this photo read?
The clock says 4.46
